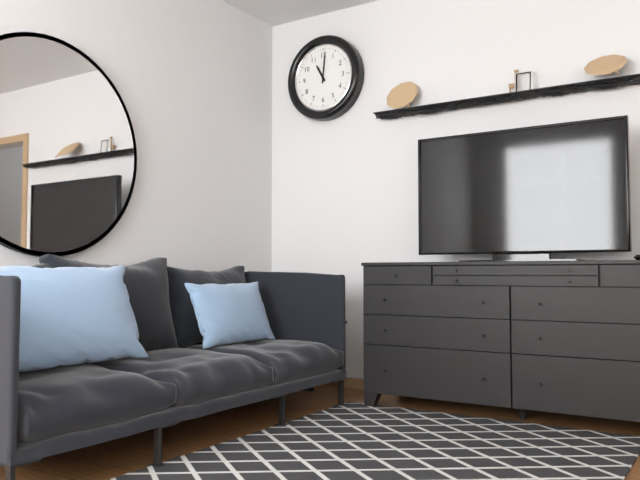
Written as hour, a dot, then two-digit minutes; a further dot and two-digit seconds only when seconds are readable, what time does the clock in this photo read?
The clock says 11.01
